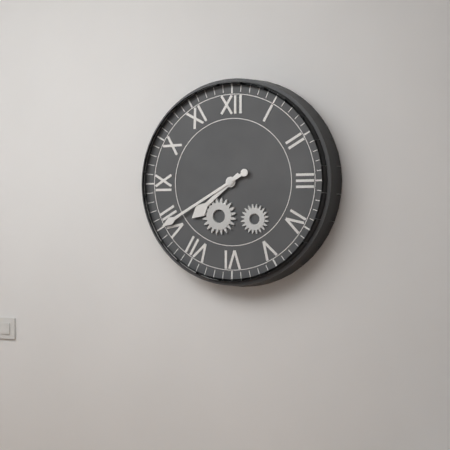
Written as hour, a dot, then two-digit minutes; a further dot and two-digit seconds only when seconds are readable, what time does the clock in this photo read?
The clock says 7.40
